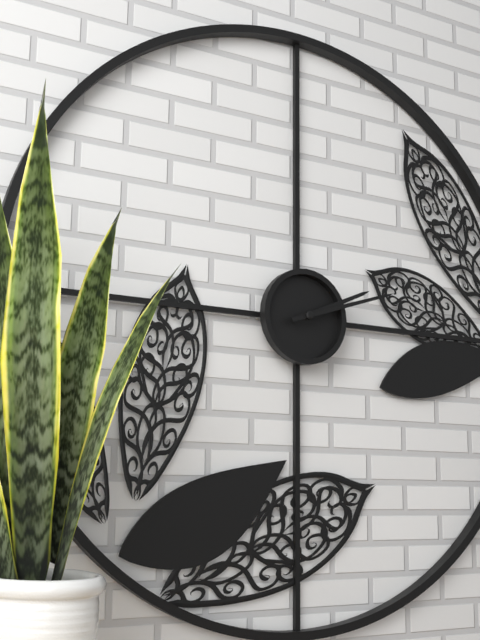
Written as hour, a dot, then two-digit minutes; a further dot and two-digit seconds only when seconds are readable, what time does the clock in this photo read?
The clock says 2.12
